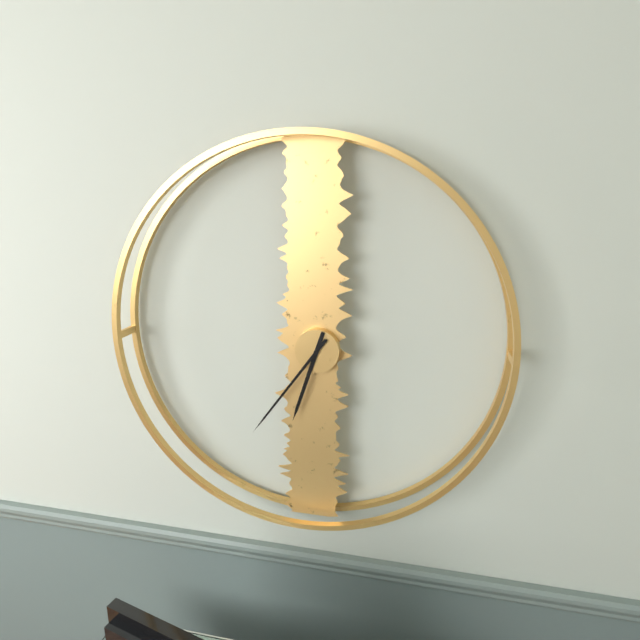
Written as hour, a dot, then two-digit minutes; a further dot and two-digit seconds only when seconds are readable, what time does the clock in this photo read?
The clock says 6.36
